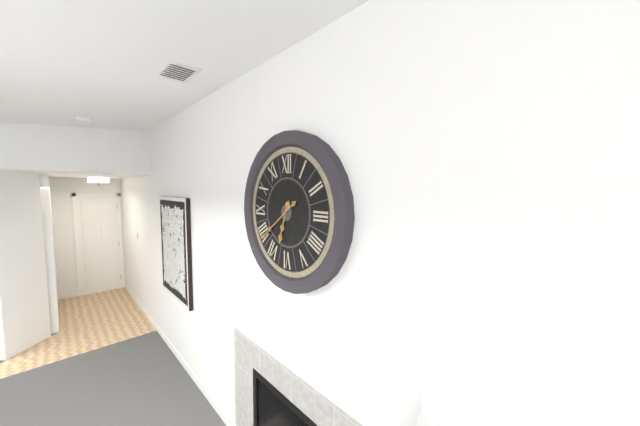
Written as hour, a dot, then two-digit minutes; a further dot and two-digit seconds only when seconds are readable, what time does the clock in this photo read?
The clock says 6.39
